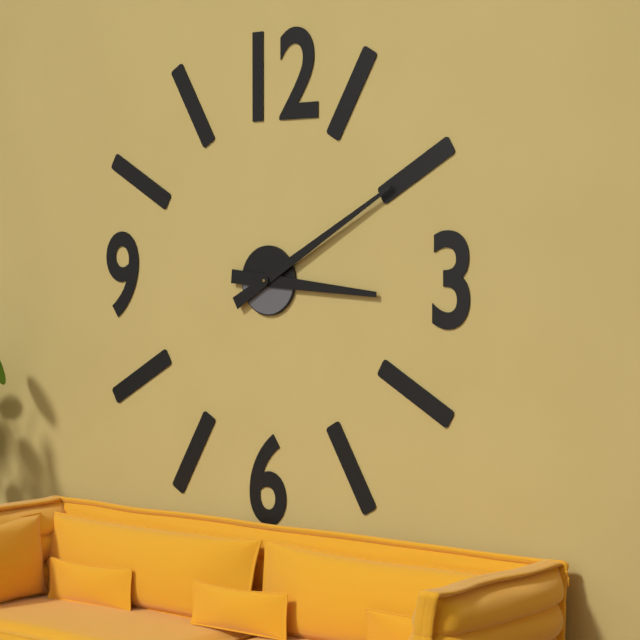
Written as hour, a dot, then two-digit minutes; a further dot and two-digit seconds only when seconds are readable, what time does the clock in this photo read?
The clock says 3.10
